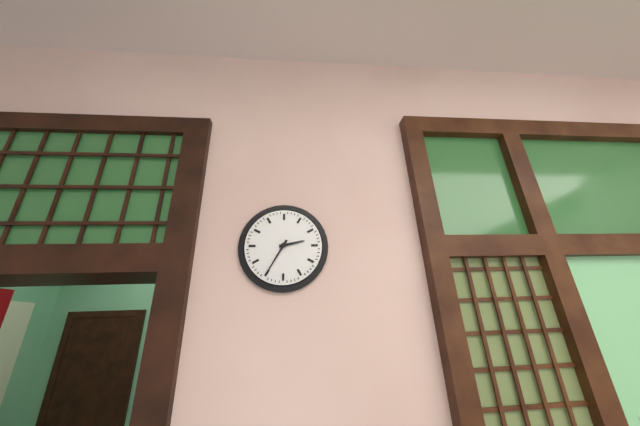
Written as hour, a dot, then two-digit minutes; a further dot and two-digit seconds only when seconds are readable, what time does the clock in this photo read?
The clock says 2.35
